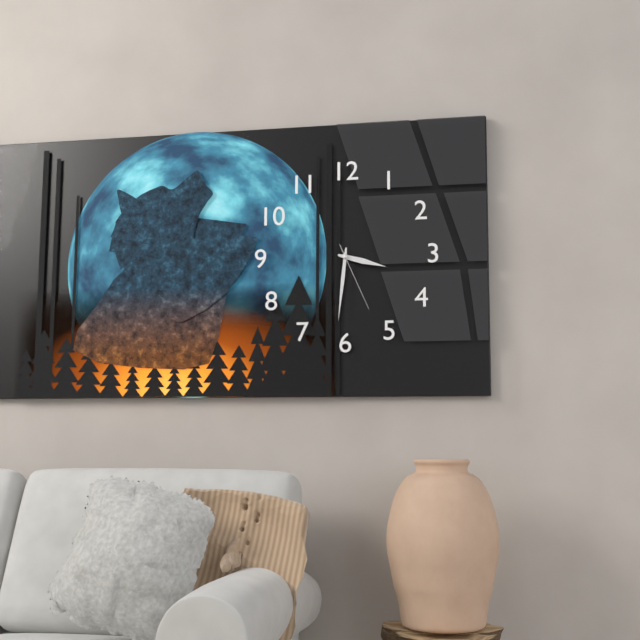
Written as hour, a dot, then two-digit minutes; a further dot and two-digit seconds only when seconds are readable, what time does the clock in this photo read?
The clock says 3.31.26
